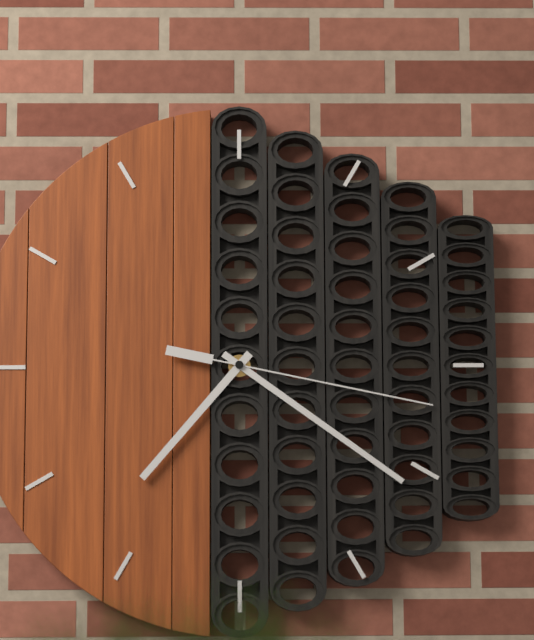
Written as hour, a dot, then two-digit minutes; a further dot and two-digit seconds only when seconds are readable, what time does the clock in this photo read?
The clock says 7.21.17
